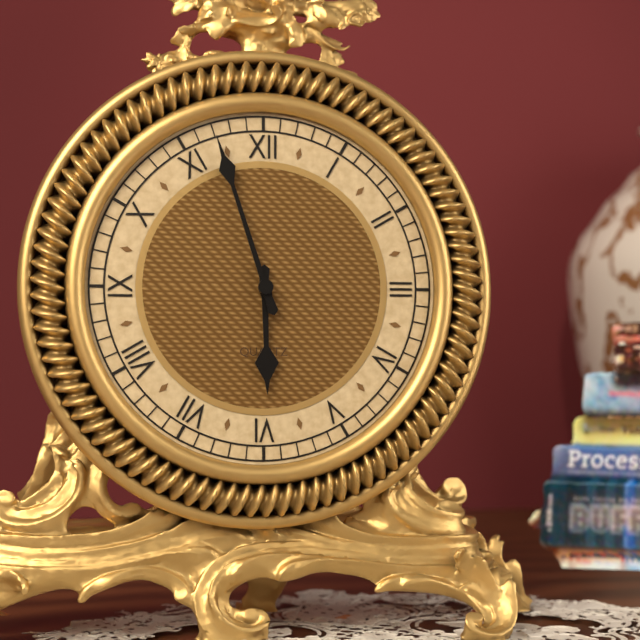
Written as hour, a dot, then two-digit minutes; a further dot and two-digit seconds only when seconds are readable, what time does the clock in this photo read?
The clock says 5.57
